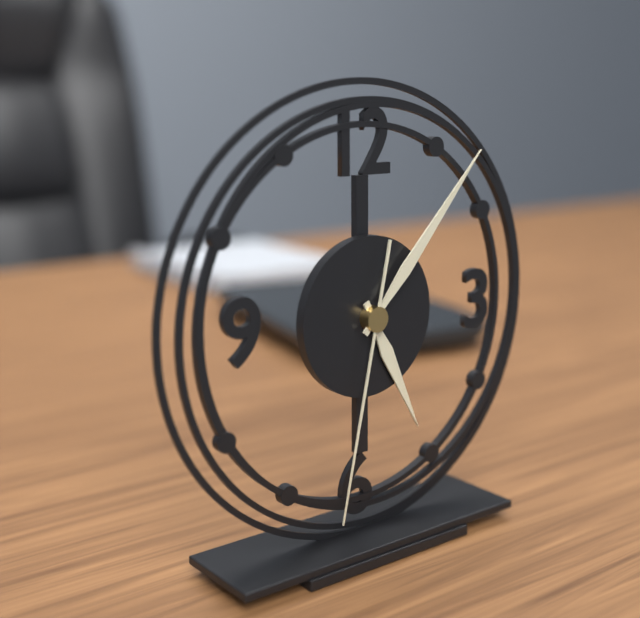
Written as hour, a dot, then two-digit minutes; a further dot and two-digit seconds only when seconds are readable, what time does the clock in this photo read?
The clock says 5.07.32
